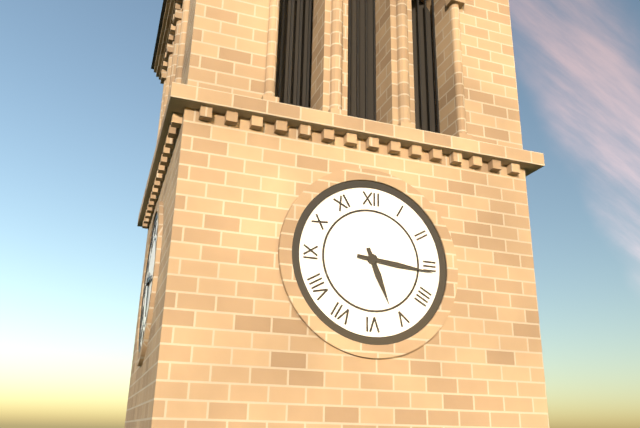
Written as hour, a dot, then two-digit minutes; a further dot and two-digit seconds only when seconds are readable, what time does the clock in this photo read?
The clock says 5.16
